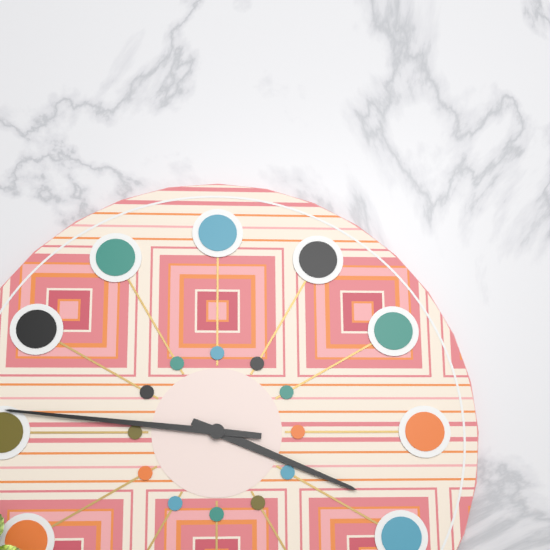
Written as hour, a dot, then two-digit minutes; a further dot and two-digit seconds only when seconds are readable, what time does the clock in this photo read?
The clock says 3.46
